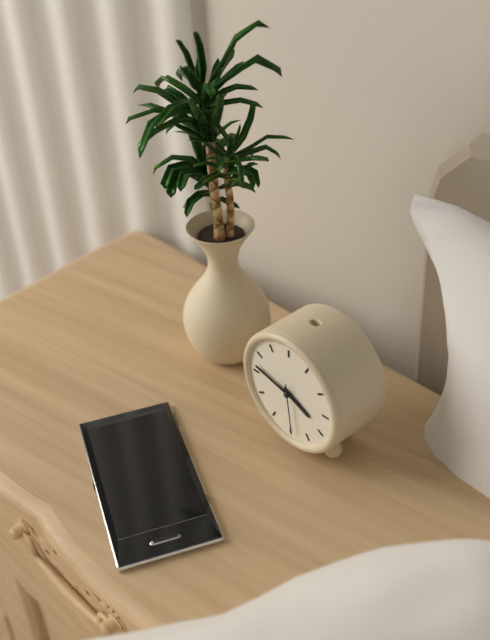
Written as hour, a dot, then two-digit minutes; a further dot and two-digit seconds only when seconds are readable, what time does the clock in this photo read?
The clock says 3.47.29
